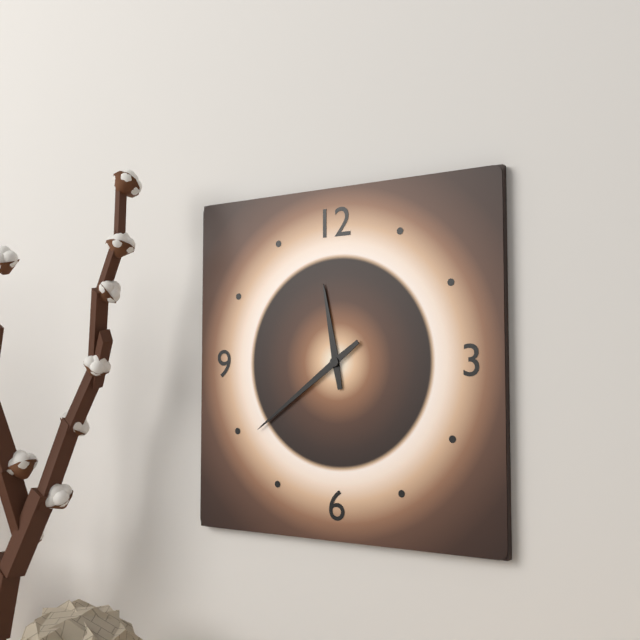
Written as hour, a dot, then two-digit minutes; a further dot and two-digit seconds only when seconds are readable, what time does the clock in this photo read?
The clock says 11.39
